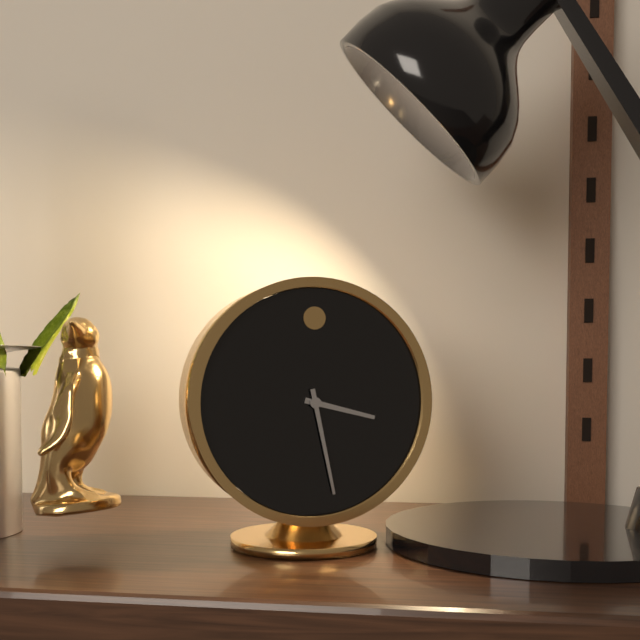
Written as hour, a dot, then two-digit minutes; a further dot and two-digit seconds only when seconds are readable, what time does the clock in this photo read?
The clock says 3.28
